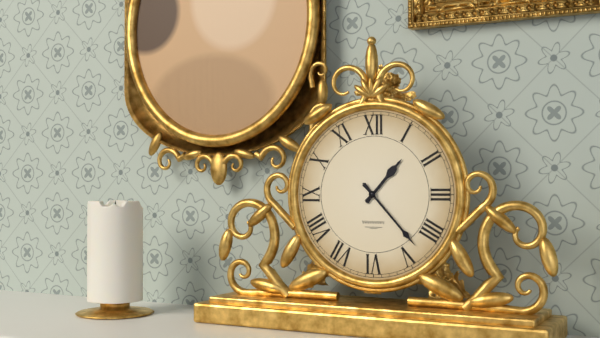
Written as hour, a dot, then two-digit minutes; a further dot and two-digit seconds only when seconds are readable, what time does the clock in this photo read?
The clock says 1.23
